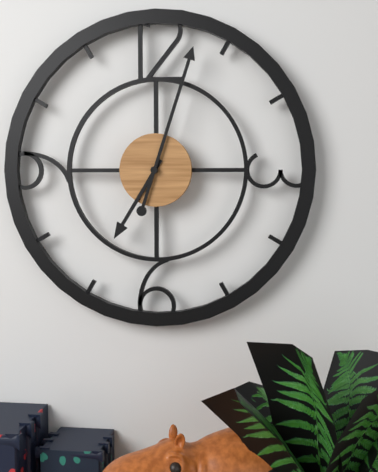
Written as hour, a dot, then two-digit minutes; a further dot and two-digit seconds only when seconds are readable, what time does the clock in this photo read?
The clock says 7.03
